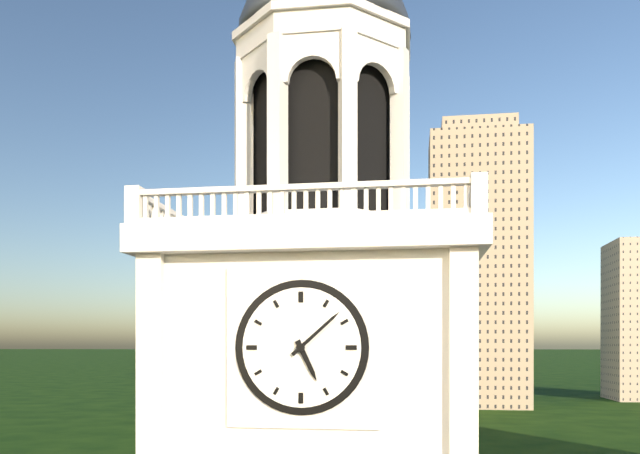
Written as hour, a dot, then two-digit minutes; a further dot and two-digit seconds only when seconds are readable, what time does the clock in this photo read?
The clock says 5.08
